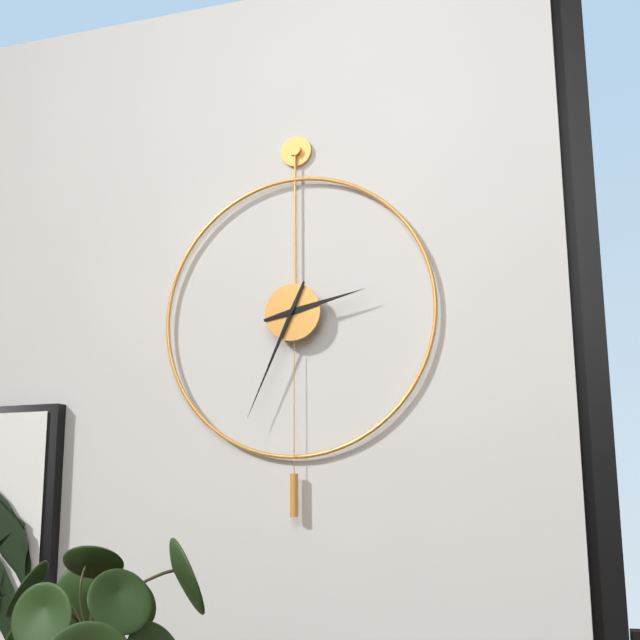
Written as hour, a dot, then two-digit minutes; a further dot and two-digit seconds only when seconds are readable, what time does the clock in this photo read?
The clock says 2.34
